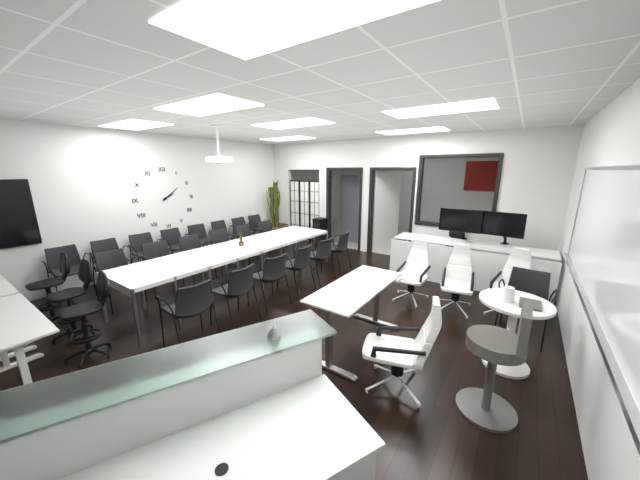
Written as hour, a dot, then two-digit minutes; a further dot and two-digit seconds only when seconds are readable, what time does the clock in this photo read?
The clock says 2.09
